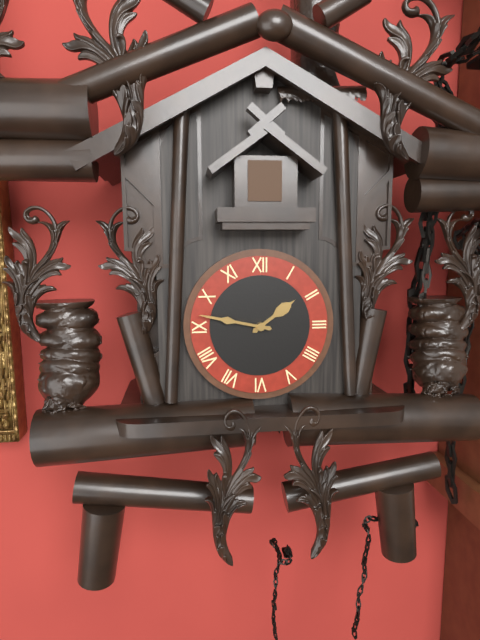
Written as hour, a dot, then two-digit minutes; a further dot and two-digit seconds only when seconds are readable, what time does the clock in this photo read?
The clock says 1.47
